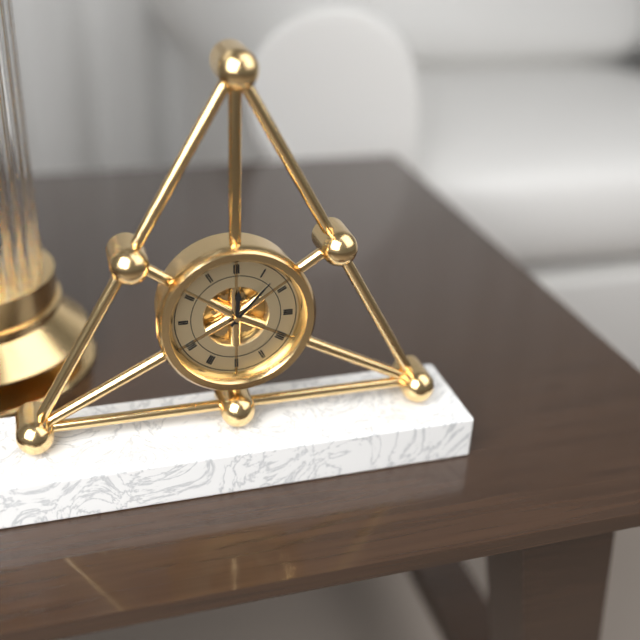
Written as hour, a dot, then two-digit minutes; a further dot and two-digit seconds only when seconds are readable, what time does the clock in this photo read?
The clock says 12.07
